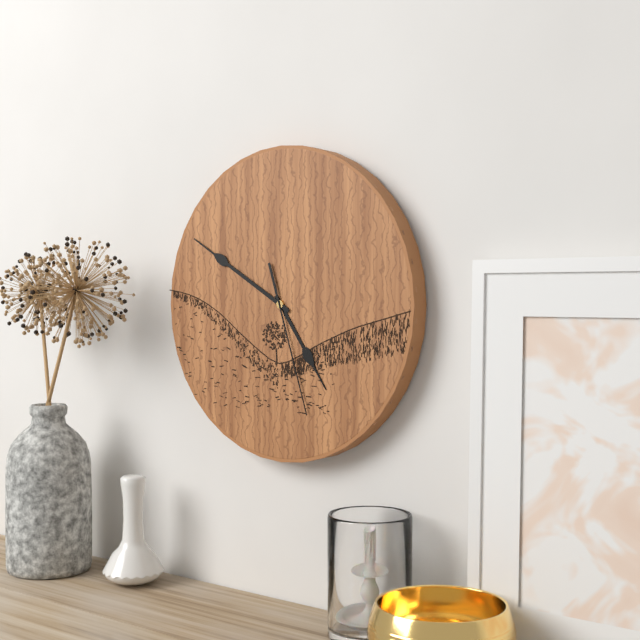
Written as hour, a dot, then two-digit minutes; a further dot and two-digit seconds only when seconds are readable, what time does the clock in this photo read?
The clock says 4.50.27
